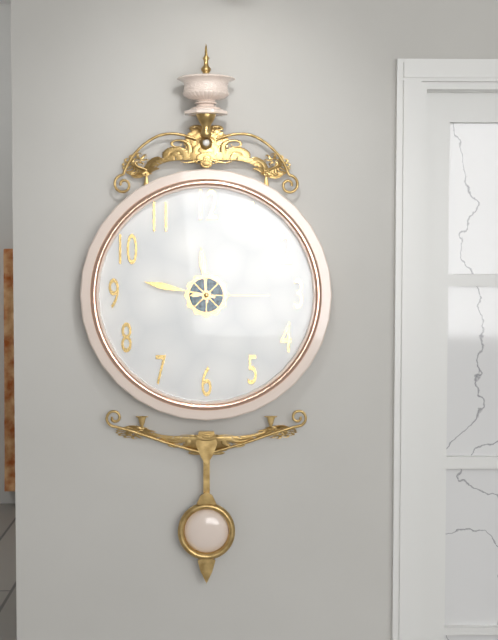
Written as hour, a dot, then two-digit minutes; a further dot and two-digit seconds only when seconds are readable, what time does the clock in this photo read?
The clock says 11.47.15
